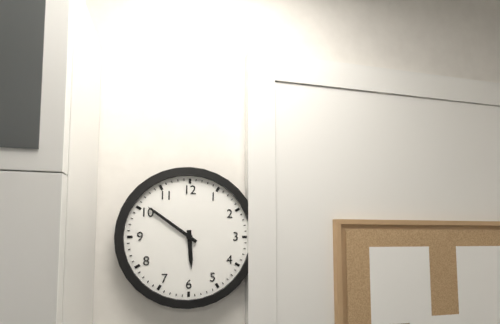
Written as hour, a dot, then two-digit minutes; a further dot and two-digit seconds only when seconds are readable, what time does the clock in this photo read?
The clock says 5.51
